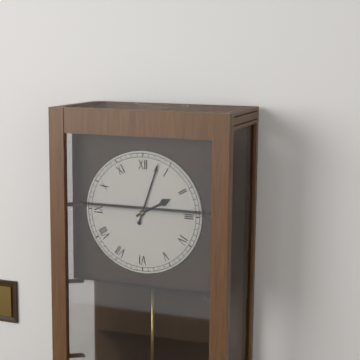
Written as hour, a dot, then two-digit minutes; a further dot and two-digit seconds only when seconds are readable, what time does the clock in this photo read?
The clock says 2.03
